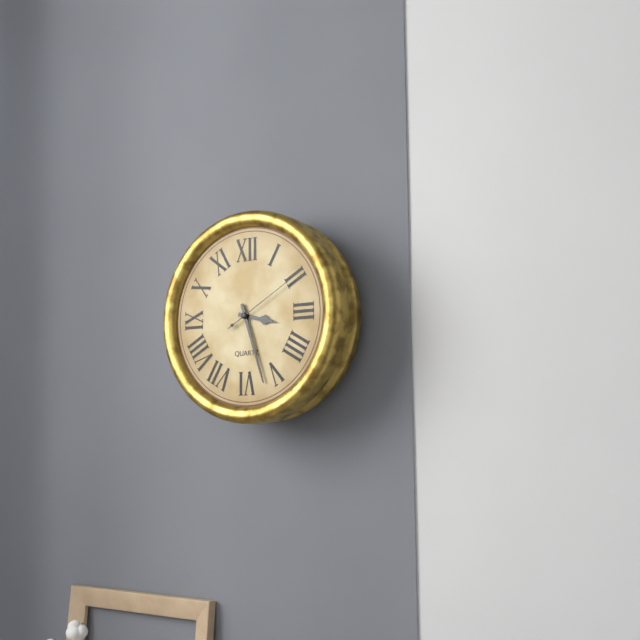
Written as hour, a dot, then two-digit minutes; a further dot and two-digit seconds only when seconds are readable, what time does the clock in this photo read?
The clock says 3.27.10
